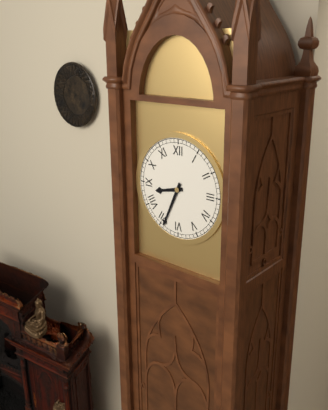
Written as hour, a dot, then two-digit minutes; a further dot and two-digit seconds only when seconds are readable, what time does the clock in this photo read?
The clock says 8.34
